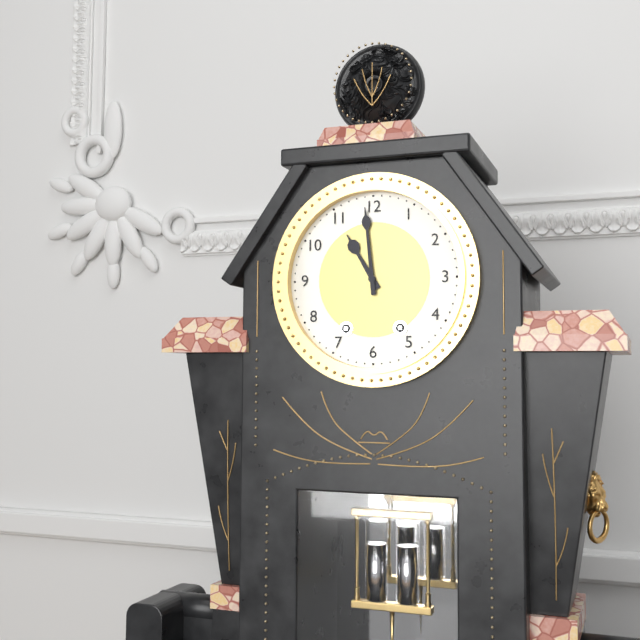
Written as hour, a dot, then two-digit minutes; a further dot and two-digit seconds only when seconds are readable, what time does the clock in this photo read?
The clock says 10.59
